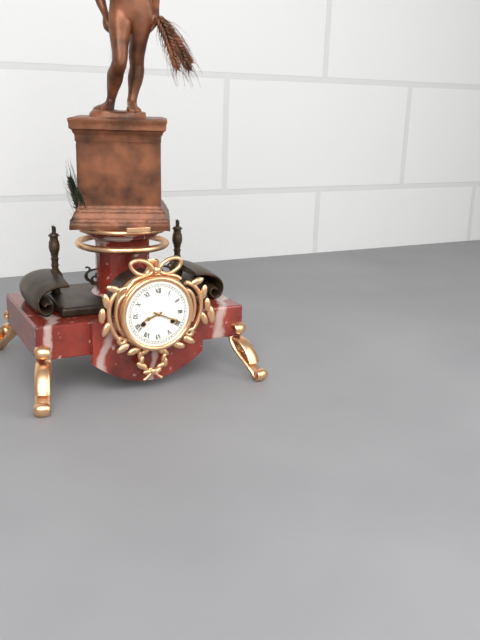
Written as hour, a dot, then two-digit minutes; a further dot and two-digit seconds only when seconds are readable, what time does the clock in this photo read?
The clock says 8.19
